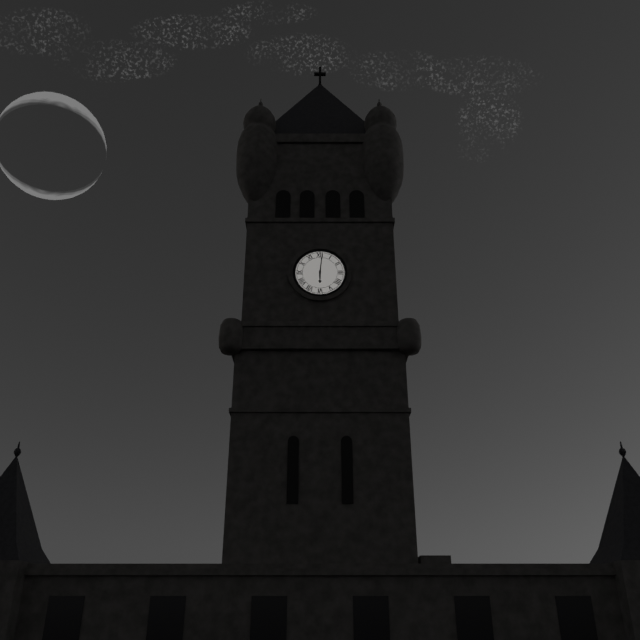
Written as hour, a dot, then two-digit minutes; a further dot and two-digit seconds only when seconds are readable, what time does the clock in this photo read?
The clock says 6.01
